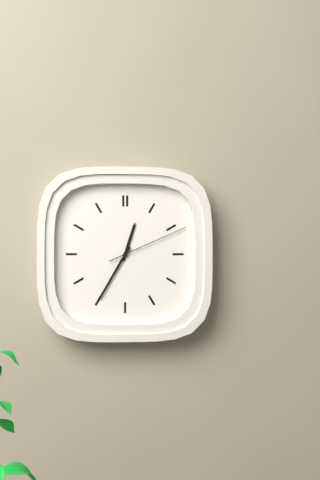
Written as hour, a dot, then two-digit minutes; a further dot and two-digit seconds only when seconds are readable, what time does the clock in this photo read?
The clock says 12.35.11
